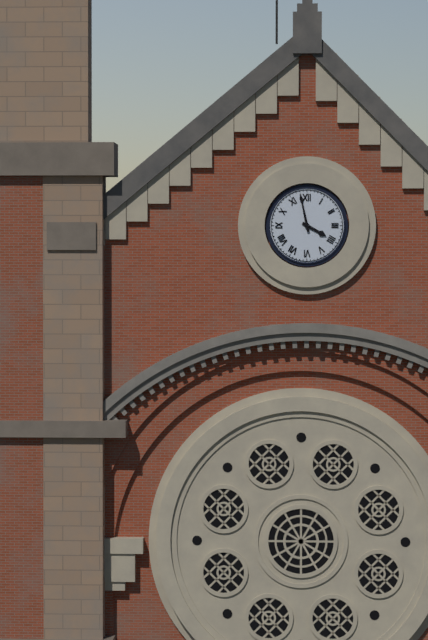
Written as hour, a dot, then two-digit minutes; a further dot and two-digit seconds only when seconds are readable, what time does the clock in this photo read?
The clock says 3.58
